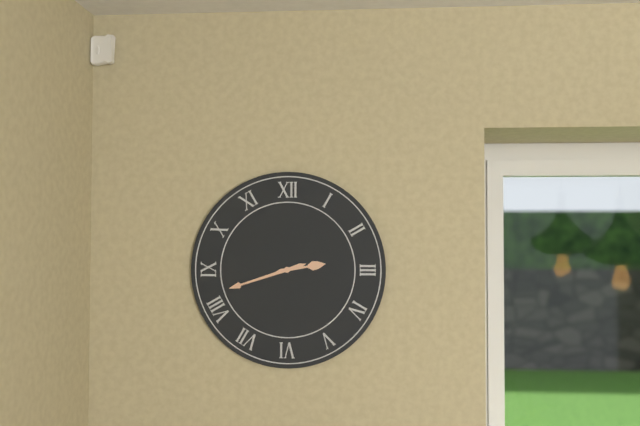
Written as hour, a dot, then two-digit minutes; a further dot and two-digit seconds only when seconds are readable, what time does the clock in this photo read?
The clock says 2.42
